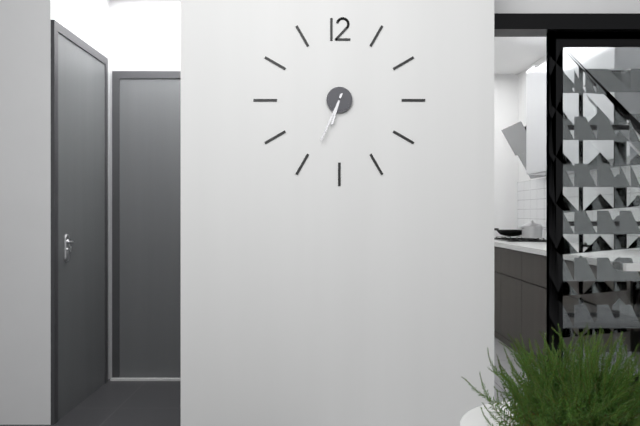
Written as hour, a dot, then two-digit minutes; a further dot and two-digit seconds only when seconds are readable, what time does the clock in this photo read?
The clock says 6.34
